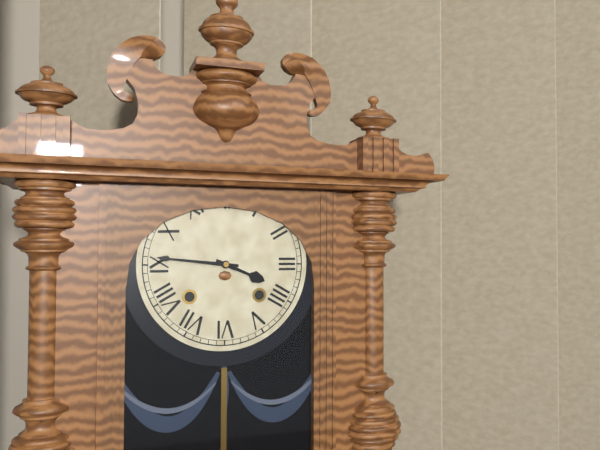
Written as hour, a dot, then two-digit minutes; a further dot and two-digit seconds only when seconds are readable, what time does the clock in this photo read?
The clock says 3.46
